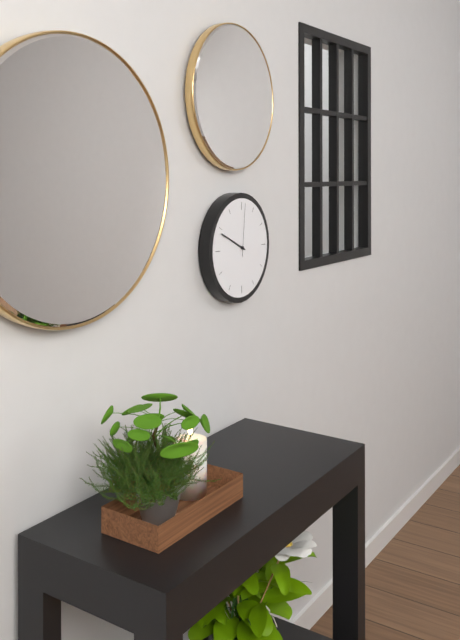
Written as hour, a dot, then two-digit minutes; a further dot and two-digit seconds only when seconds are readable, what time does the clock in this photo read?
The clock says 9.49.01
